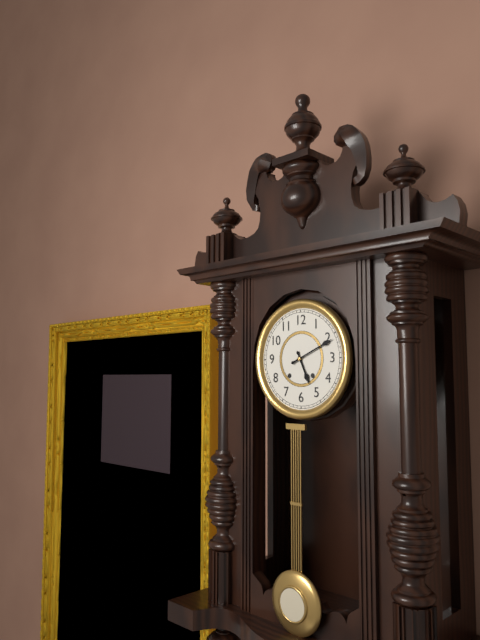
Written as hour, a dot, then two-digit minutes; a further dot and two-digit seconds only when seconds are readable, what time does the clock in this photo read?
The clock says 5.11
